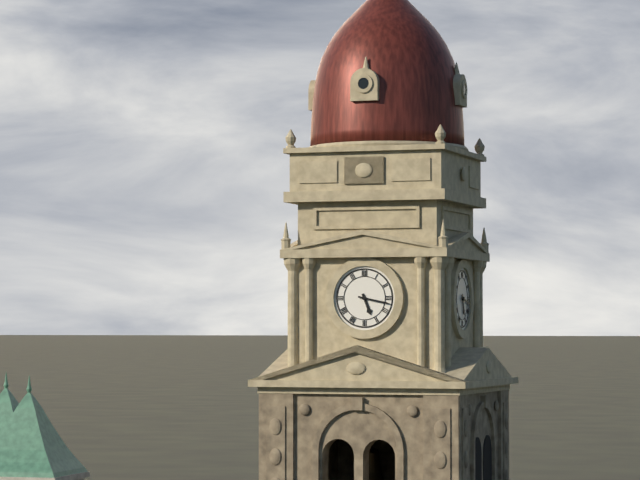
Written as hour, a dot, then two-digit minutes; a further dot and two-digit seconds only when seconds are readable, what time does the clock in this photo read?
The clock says 5.17
